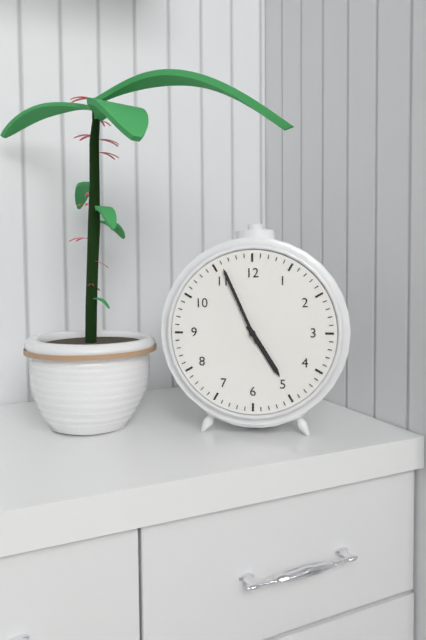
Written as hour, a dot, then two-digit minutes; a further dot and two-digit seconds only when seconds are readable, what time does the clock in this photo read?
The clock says 4.56
